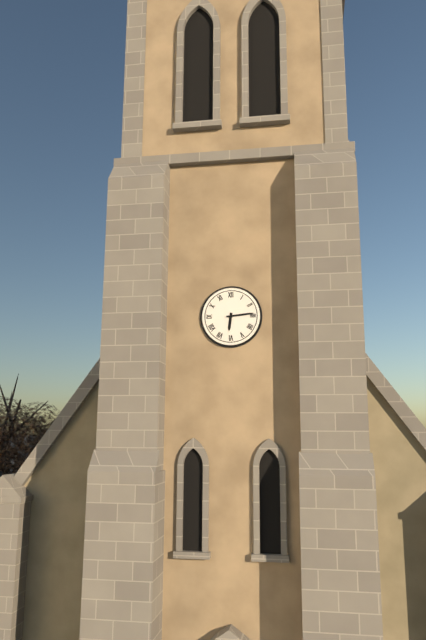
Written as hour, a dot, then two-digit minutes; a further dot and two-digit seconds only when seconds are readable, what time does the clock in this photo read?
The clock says 6.14
